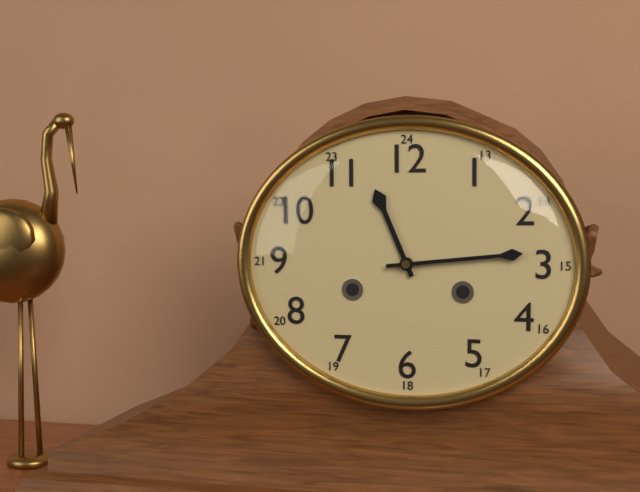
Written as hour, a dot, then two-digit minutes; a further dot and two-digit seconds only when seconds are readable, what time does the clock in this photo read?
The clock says 11.14
